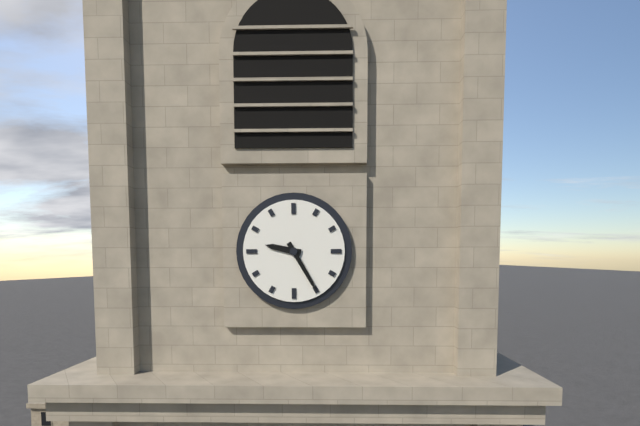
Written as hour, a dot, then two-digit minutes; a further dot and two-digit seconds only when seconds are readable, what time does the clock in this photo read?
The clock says 9.25
